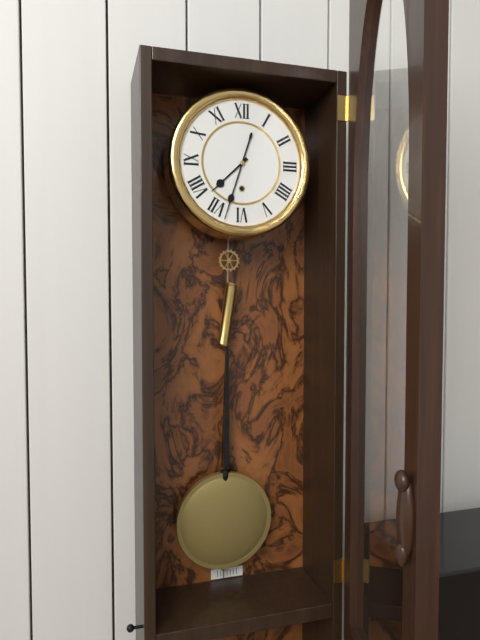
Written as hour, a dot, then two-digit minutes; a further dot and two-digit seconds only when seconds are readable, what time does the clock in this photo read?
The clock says 7.33
